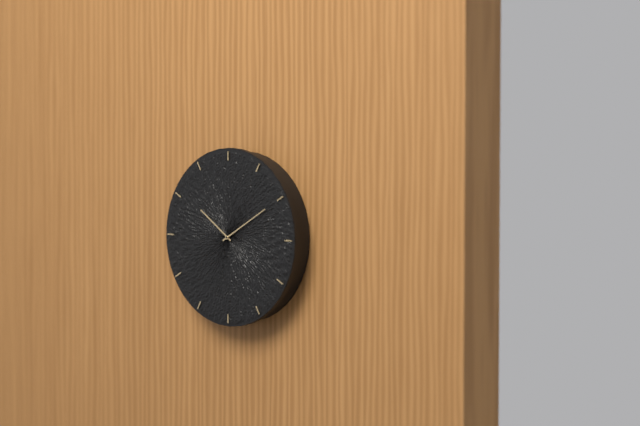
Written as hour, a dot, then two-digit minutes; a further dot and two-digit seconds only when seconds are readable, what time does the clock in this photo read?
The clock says 10.10
